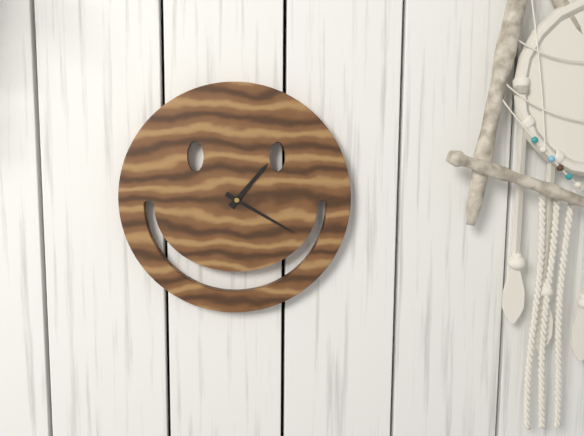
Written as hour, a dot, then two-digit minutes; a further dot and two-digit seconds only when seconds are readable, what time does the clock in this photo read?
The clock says 1.20
